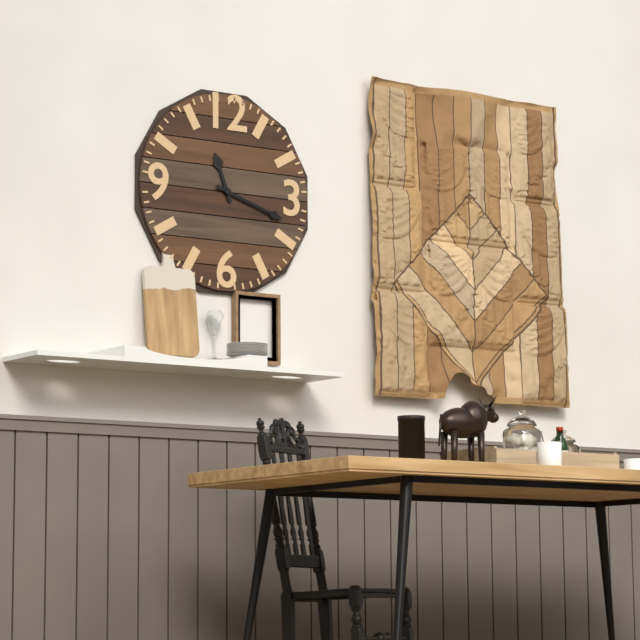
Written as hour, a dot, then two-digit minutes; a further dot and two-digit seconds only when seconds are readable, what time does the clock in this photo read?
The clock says 11.18
